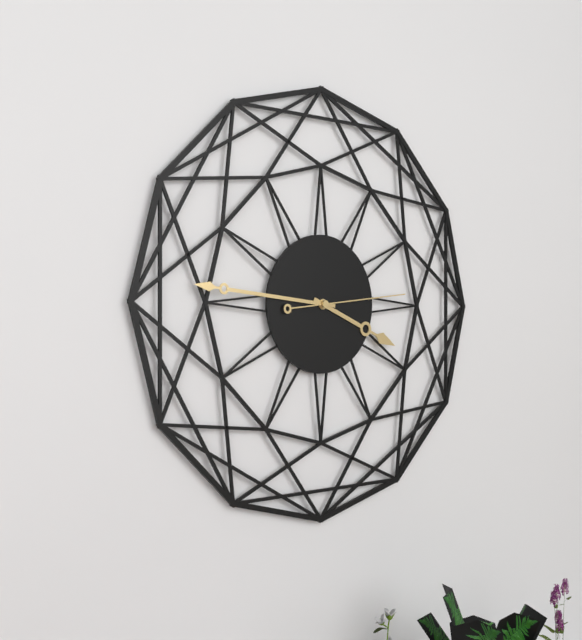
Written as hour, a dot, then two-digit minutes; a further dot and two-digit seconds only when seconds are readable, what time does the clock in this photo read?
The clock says 3.46.14
